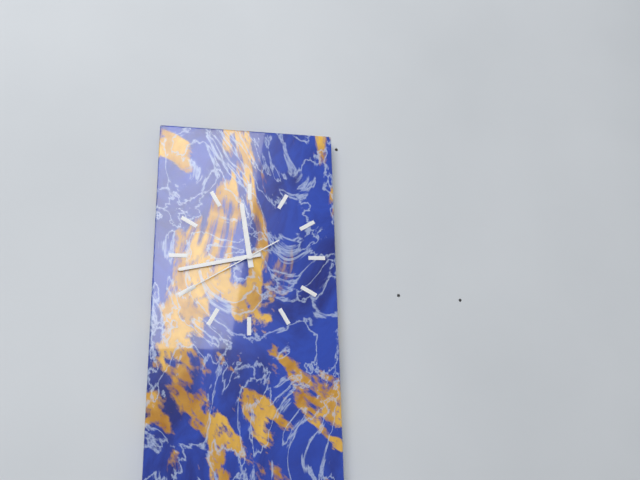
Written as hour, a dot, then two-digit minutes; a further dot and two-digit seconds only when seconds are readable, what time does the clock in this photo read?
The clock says 11.43.40
